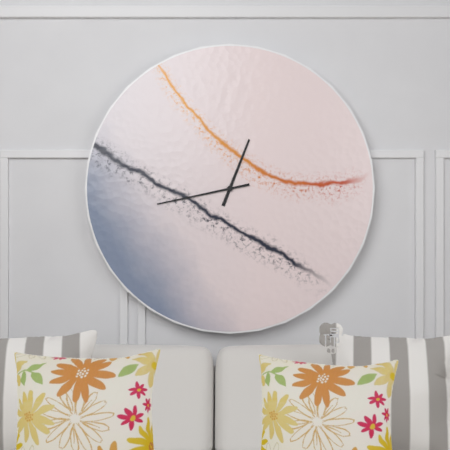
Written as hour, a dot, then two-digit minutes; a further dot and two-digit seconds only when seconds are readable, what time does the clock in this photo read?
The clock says 12.43
